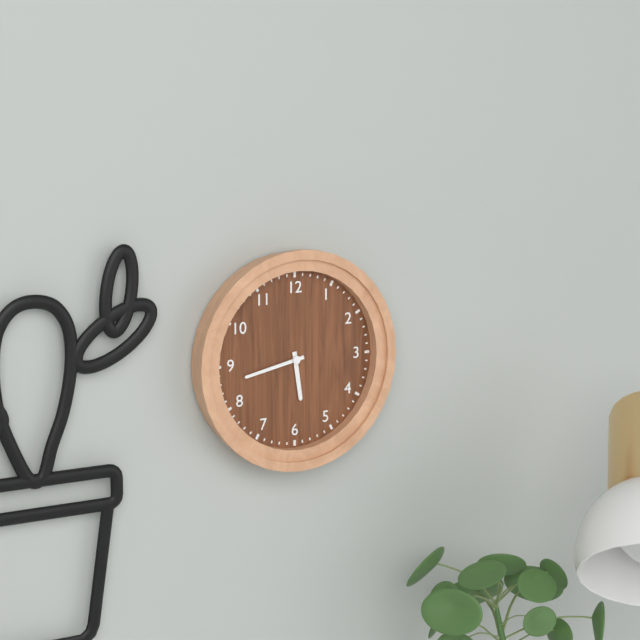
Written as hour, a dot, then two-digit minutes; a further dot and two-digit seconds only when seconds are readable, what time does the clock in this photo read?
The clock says 5.43
